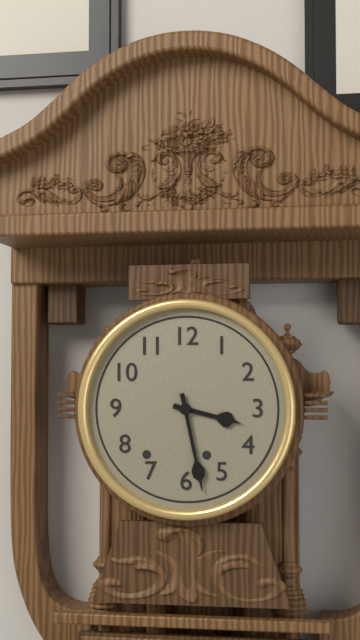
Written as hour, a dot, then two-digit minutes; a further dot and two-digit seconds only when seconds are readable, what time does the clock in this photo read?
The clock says 3.28
